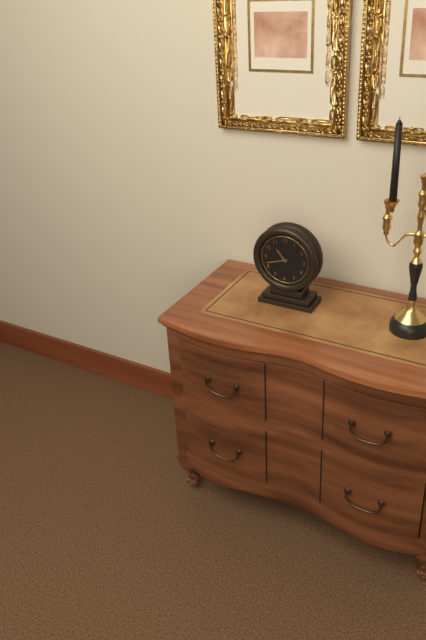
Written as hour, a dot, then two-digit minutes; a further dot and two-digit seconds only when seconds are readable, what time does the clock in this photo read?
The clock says 10.42
